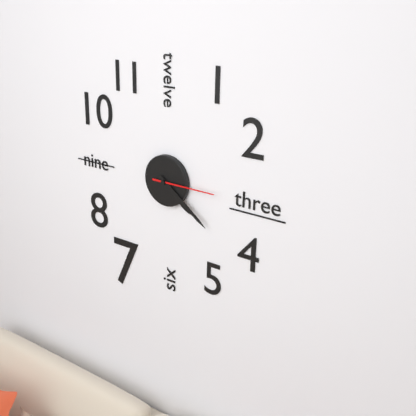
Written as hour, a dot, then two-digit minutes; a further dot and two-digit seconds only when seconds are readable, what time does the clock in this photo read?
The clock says 4.21.15
